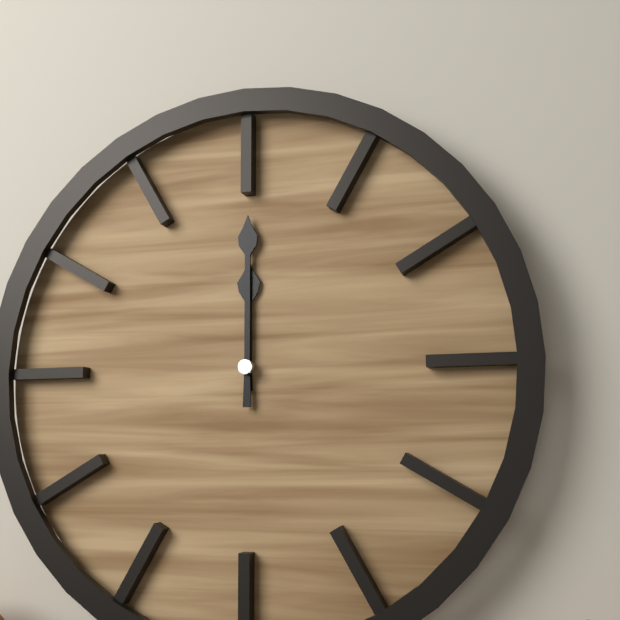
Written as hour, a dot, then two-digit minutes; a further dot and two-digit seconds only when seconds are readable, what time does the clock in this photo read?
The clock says 12.00
